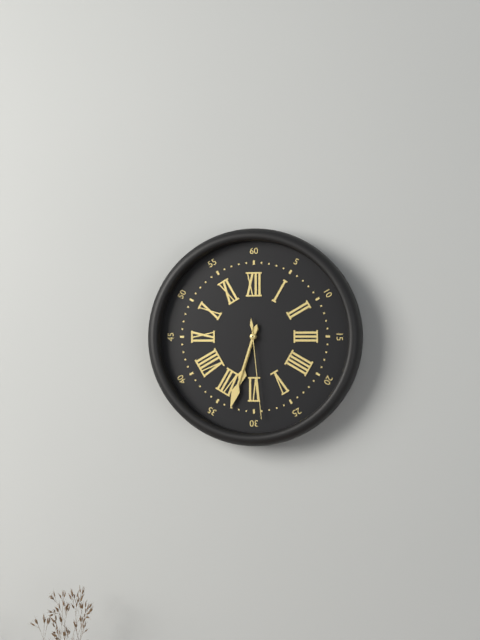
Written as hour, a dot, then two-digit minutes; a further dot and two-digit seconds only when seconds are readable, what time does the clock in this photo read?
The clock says 6.33.29
